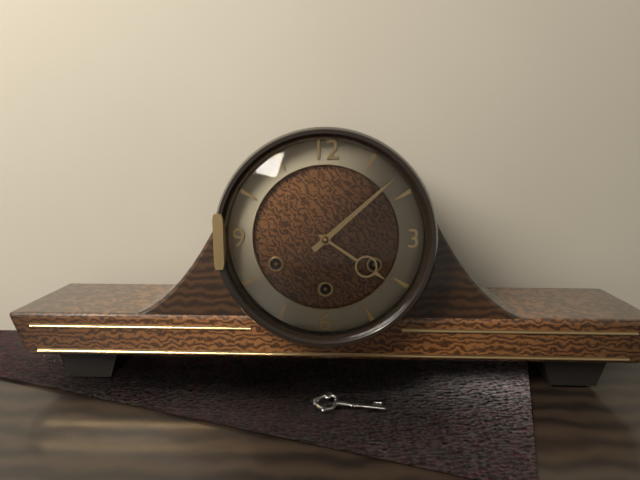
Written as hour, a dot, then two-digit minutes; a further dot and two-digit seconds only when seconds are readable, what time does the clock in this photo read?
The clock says 4.08
